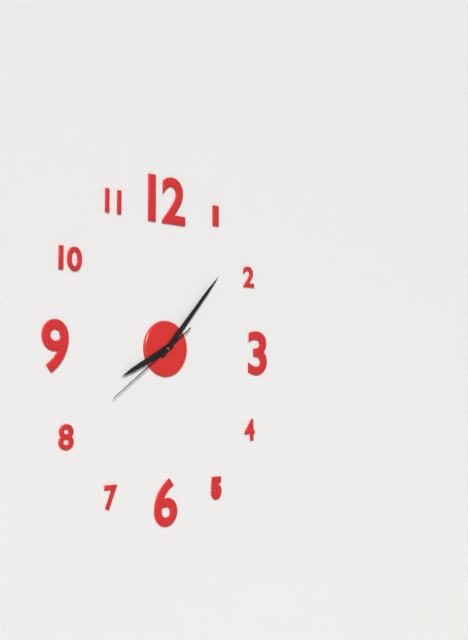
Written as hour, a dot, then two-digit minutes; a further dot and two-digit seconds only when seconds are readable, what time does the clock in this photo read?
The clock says 8.07.39
